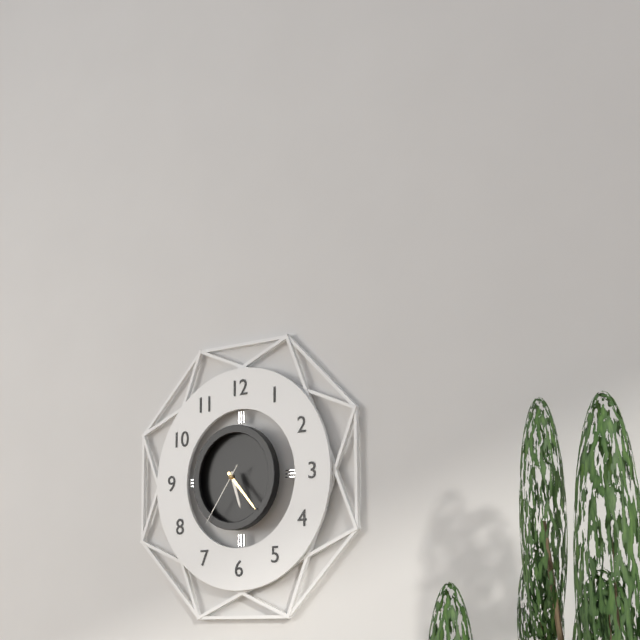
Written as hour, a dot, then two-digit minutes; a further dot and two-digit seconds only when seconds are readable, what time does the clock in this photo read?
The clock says 5.23.36
